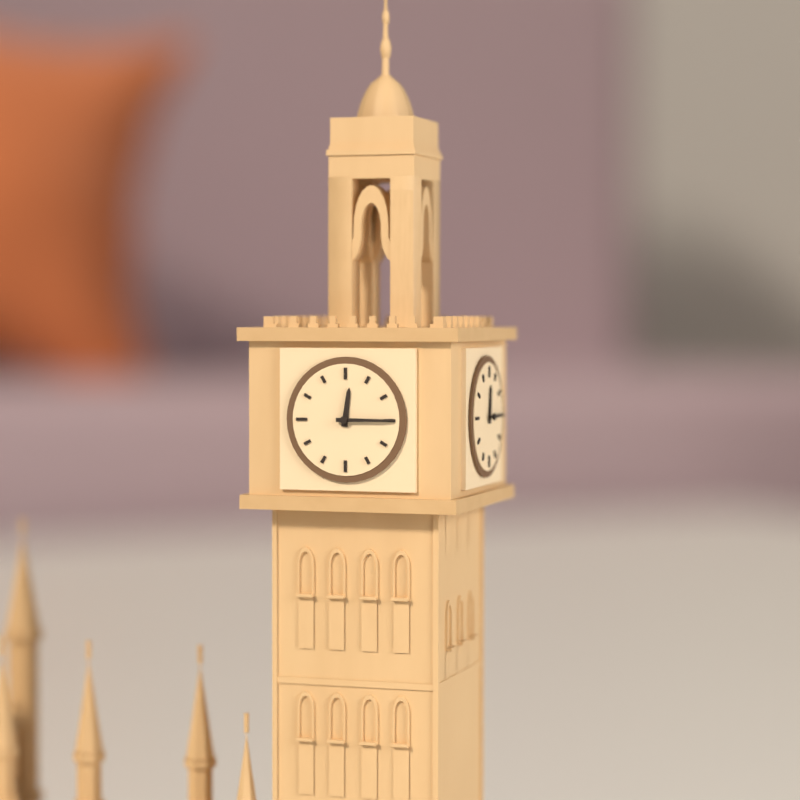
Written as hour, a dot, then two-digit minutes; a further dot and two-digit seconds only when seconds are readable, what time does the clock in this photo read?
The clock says 12.15
